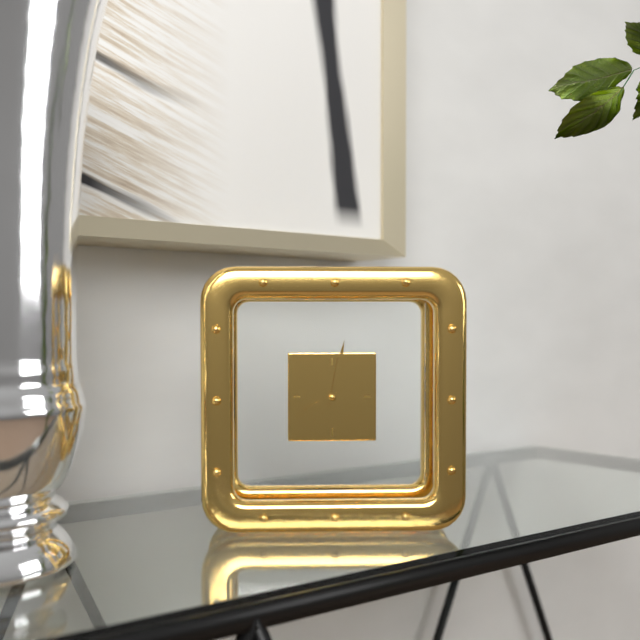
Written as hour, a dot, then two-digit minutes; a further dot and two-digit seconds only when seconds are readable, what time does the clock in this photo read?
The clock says 8.02
